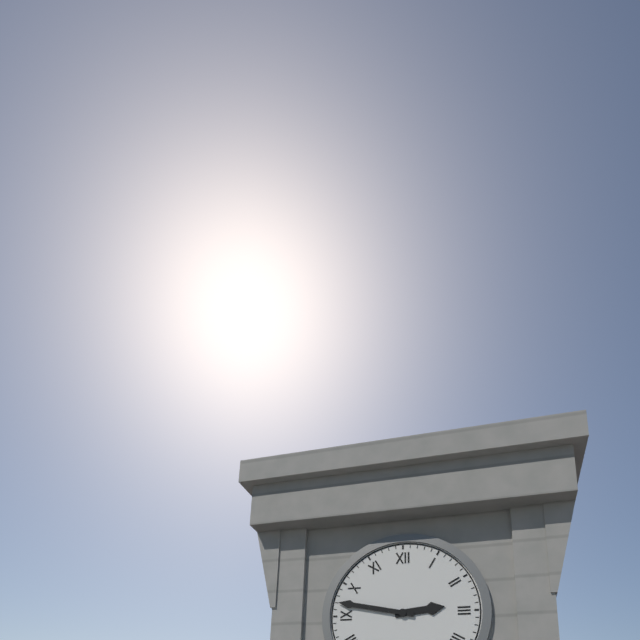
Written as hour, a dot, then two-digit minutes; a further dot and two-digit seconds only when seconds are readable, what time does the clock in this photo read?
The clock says 2.47
